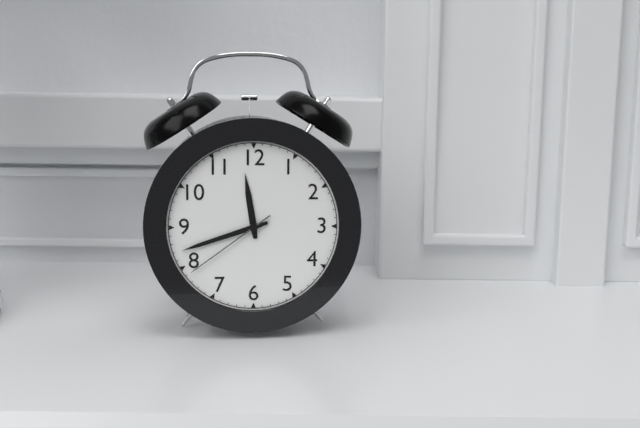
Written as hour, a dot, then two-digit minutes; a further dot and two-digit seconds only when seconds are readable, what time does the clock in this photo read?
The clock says 11.42.39
